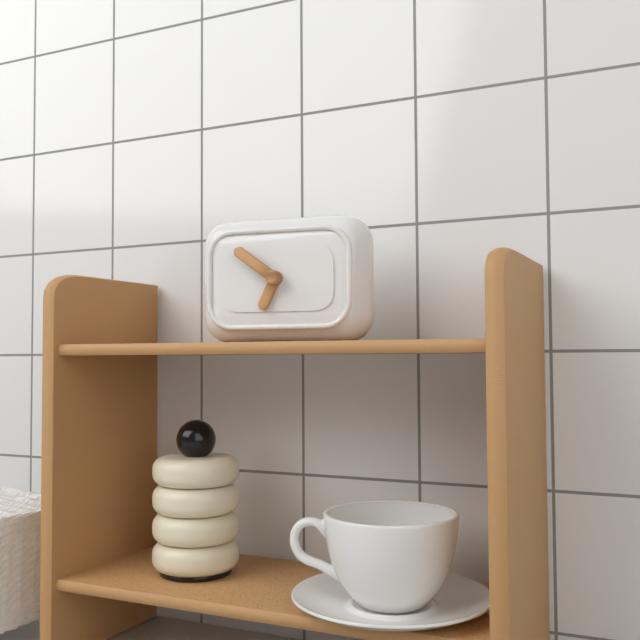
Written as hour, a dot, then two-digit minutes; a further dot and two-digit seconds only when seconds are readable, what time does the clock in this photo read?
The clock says 6.51
